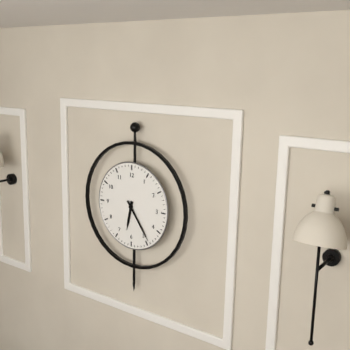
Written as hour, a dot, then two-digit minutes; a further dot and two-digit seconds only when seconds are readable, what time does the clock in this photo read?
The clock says 6.24
